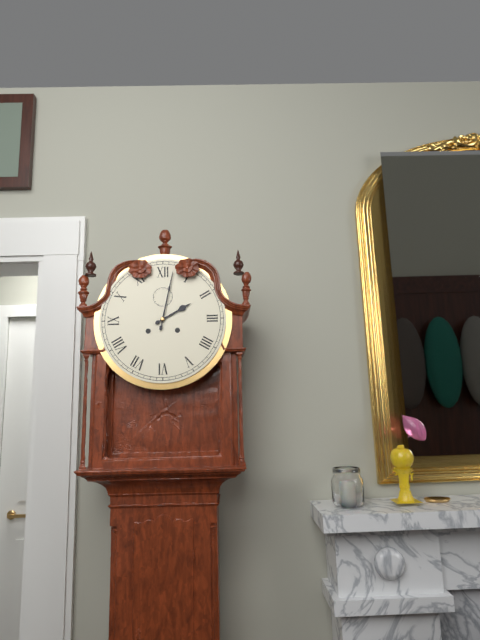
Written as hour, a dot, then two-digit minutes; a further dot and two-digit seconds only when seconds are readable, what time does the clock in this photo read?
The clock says 2.02
